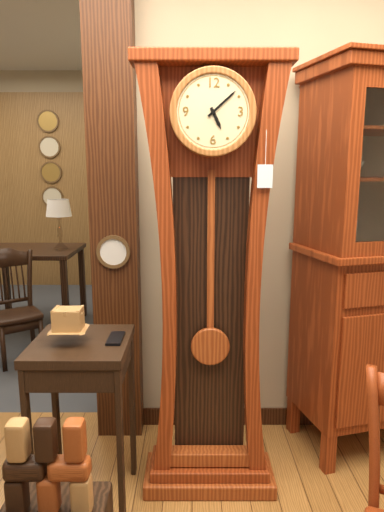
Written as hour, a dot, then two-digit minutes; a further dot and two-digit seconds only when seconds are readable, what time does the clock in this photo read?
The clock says 5.08
